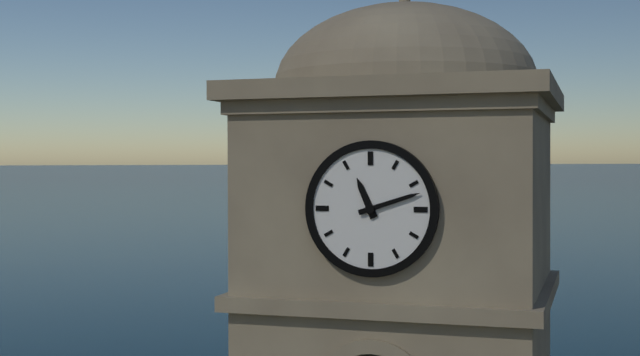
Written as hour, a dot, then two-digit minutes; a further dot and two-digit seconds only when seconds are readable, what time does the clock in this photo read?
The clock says 11.12
